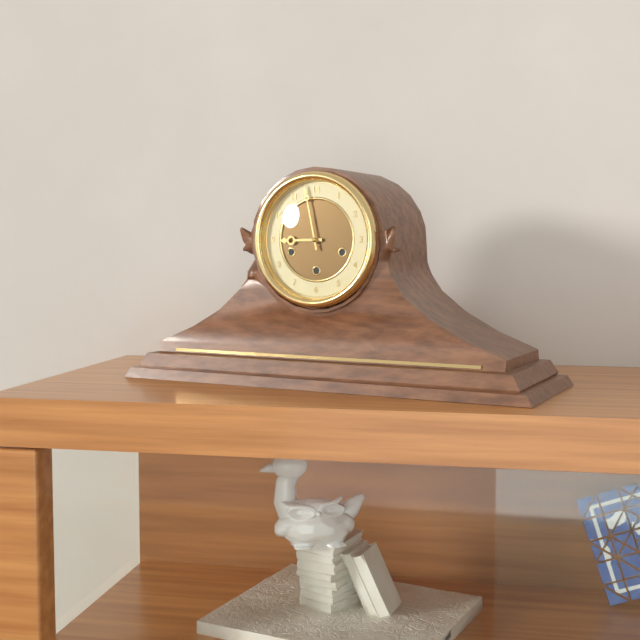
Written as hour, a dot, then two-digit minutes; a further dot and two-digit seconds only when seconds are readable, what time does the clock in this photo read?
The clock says 8.58
